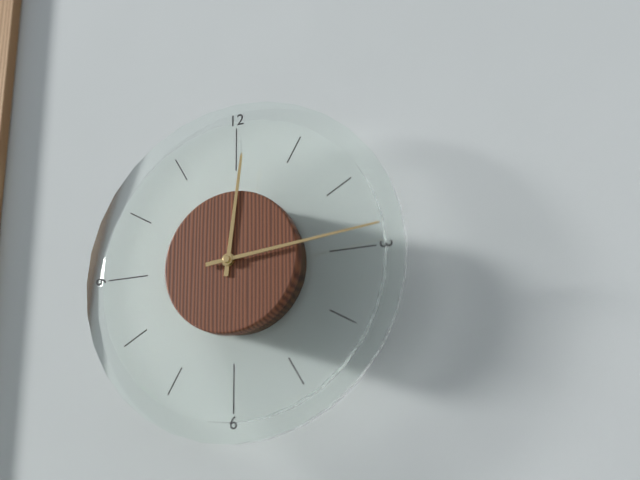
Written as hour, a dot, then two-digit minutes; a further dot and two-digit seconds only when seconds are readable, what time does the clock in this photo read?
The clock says 12.14
